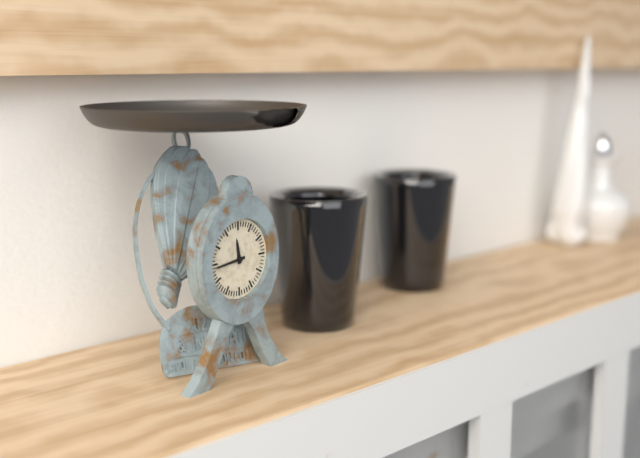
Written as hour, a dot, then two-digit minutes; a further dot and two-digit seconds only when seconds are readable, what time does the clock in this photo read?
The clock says 11.44
